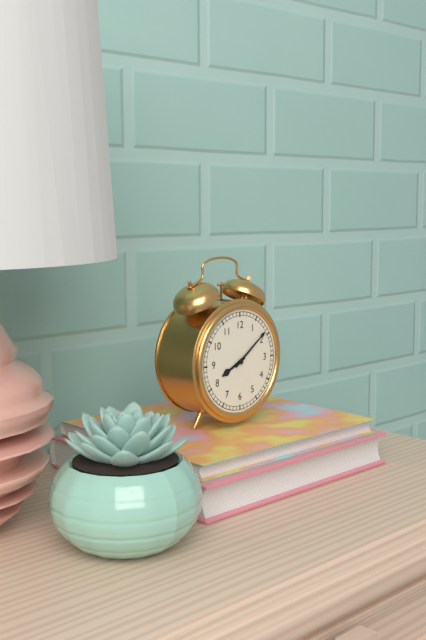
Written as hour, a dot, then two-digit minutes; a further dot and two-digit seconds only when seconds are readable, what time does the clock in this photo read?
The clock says 8.09
